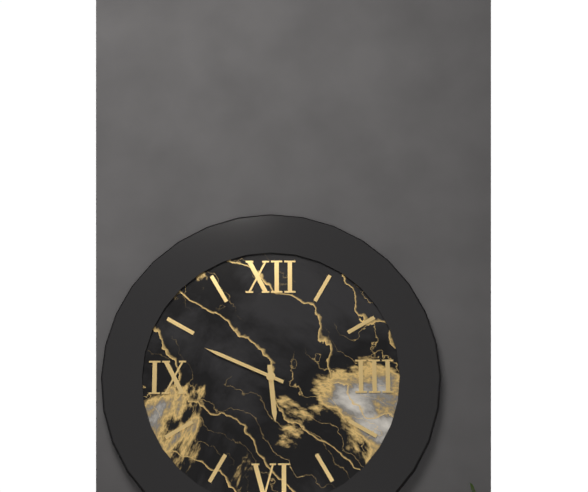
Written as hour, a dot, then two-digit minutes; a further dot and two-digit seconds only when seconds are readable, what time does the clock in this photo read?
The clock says 5.49
